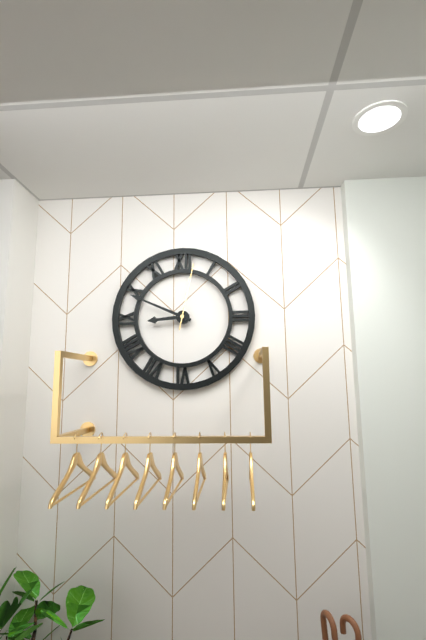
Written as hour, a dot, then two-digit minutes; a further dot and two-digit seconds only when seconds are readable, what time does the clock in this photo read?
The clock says 8.49.02
